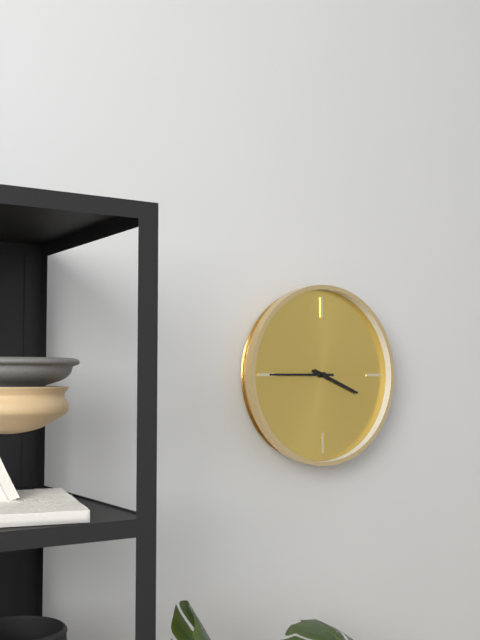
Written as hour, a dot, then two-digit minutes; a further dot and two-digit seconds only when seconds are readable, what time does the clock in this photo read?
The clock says 3.45
